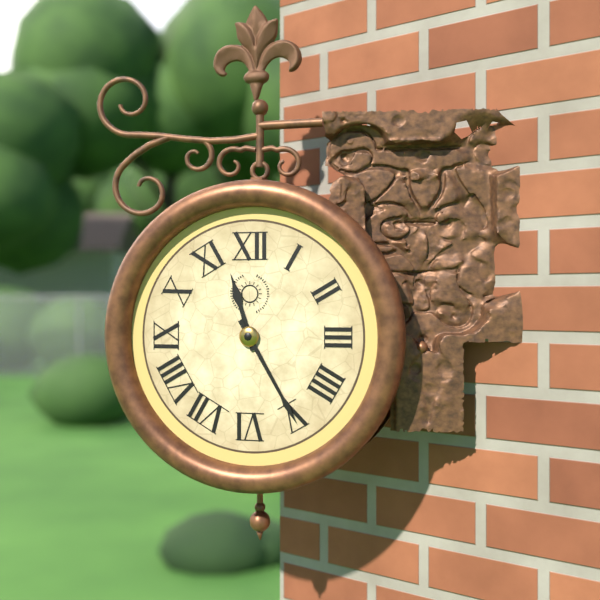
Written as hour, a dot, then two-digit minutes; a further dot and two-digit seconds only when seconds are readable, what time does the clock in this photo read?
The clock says 11.25
